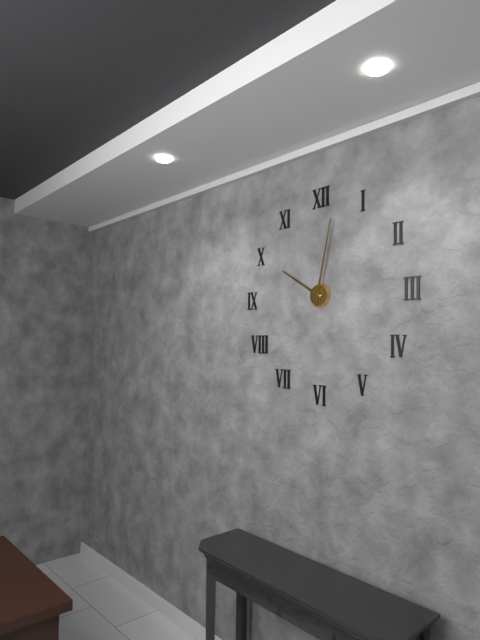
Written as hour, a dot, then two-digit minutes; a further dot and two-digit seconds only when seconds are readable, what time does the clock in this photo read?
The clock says 10.02
